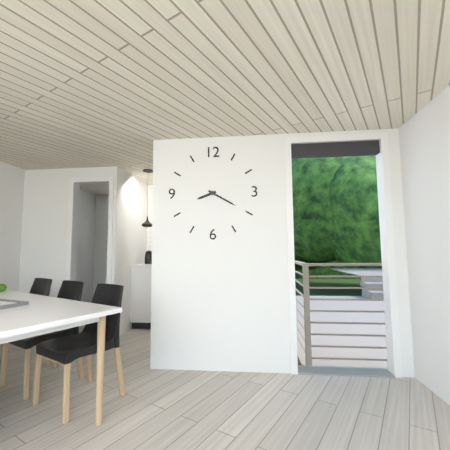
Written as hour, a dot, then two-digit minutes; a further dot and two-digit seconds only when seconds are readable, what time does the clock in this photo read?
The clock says 8.20
